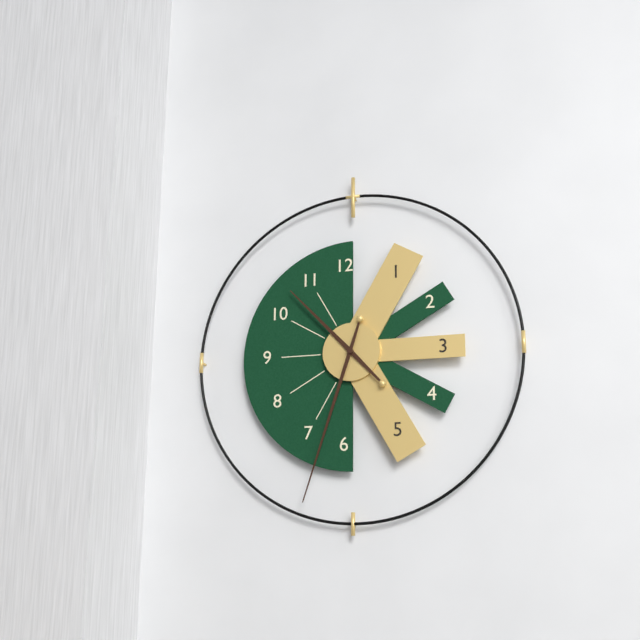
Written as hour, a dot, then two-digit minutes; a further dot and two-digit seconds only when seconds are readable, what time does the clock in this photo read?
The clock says 10.33
